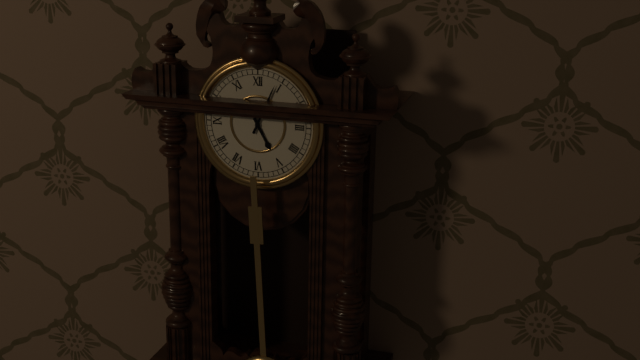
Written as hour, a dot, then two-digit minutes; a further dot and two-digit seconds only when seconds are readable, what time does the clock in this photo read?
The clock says 5.04
